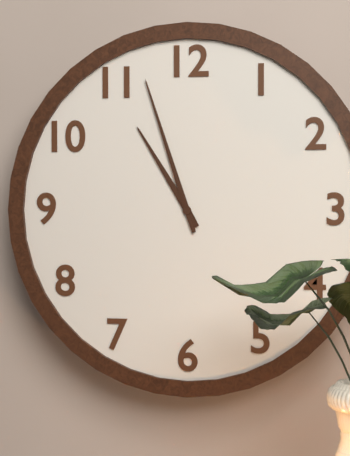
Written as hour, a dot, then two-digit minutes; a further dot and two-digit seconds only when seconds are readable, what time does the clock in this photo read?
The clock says 10.57
